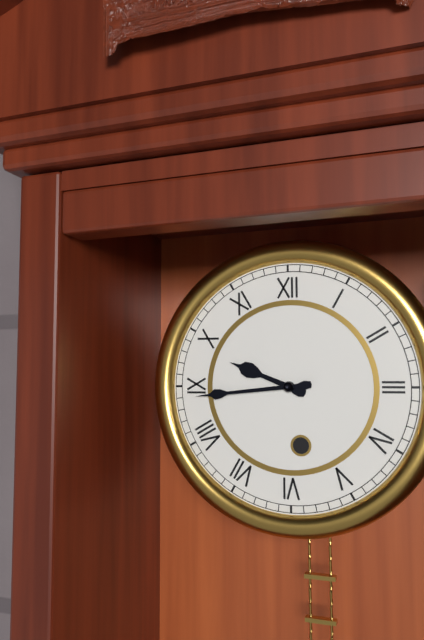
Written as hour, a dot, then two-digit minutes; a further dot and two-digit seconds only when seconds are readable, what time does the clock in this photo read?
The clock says 9.44
